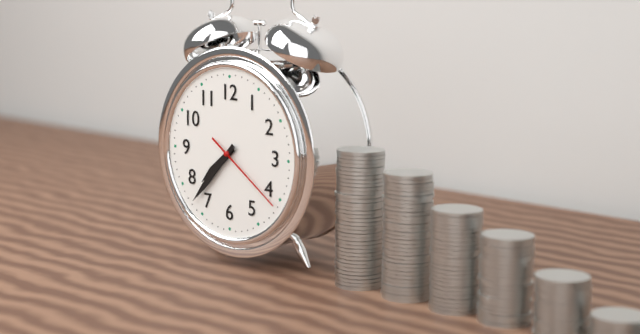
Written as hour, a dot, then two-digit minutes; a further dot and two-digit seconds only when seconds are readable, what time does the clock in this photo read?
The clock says 7.37.21
